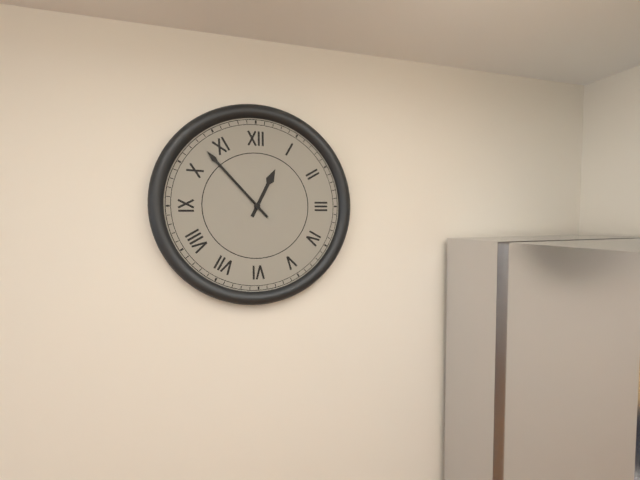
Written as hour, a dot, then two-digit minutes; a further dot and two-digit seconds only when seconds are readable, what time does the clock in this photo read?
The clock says 12.53
